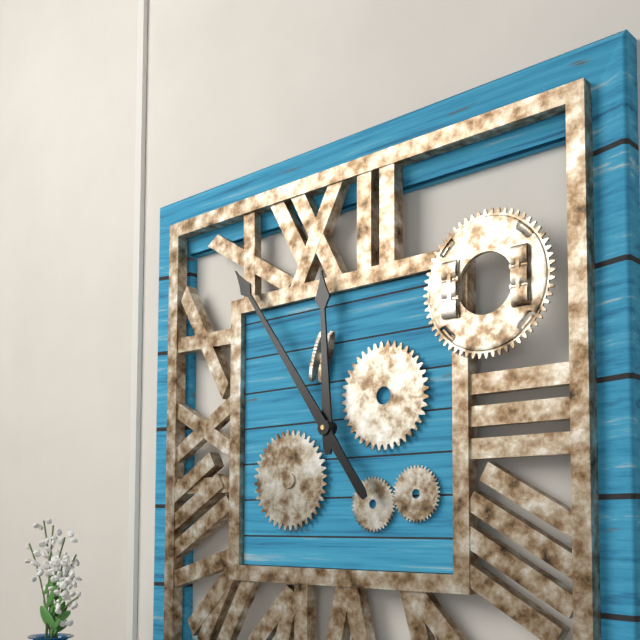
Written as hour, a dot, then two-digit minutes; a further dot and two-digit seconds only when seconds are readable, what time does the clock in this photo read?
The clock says 11.54
